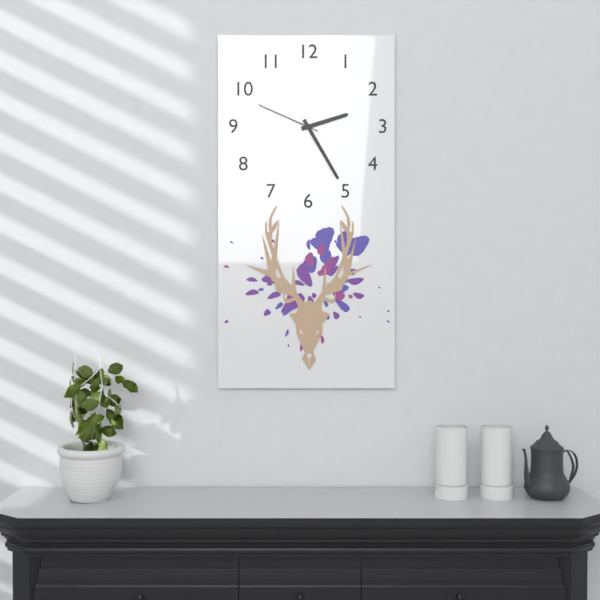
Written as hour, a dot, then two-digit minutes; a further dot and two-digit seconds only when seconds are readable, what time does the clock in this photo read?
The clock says 2.25.49
